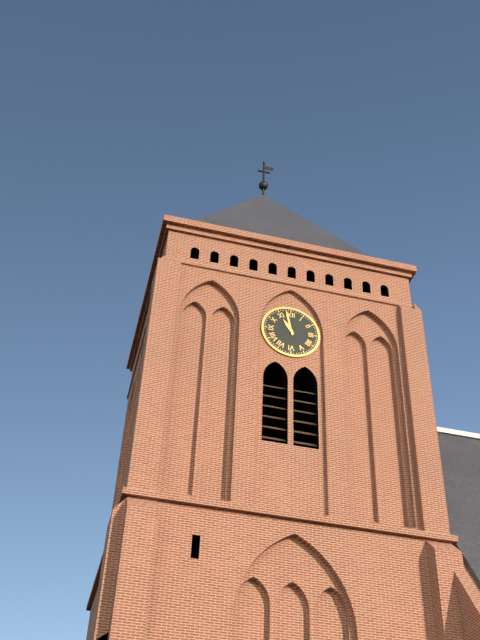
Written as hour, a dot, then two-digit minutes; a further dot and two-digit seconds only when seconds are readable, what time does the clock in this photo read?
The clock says 10.58
